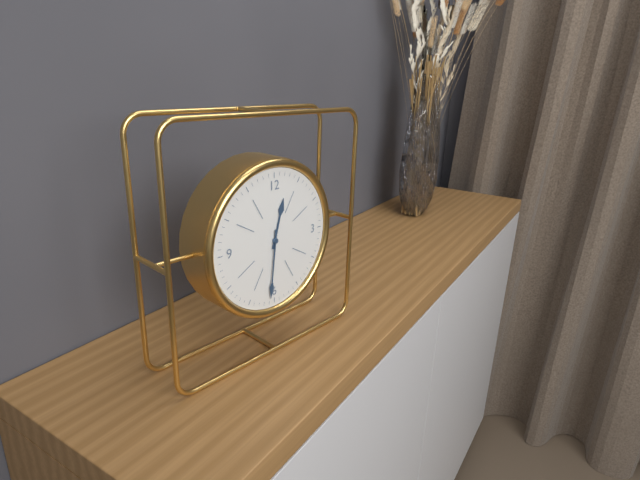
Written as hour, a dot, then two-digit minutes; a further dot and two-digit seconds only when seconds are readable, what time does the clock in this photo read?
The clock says 12.31
